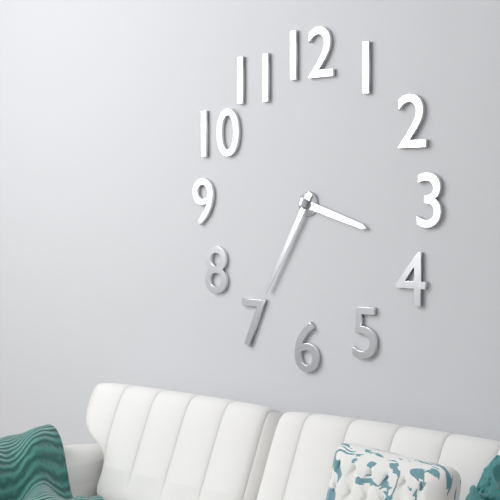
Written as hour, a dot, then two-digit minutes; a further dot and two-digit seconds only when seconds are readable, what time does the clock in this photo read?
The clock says 3.35
